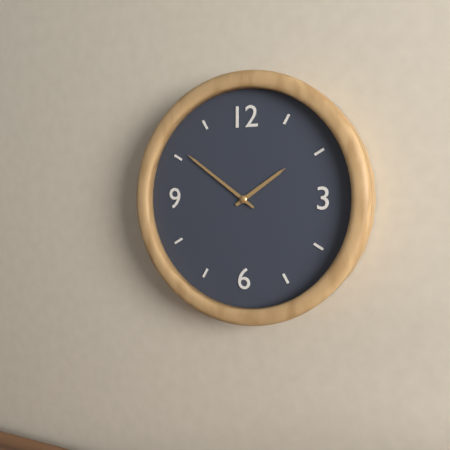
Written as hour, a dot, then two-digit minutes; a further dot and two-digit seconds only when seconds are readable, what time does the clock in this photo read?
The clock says 1.51
